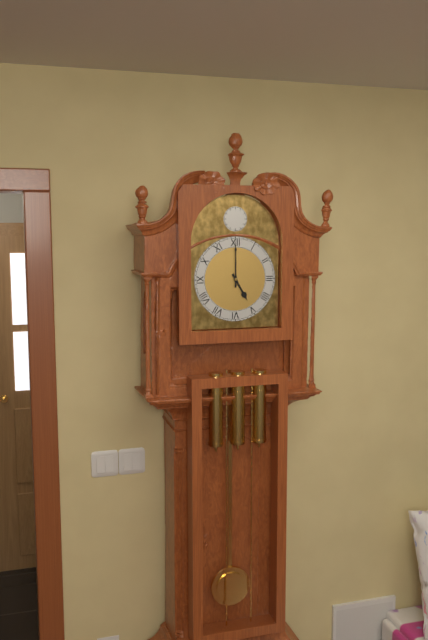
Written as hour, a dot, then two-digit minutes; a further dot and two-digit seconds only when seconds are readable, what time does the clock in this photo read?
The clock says 5.00
